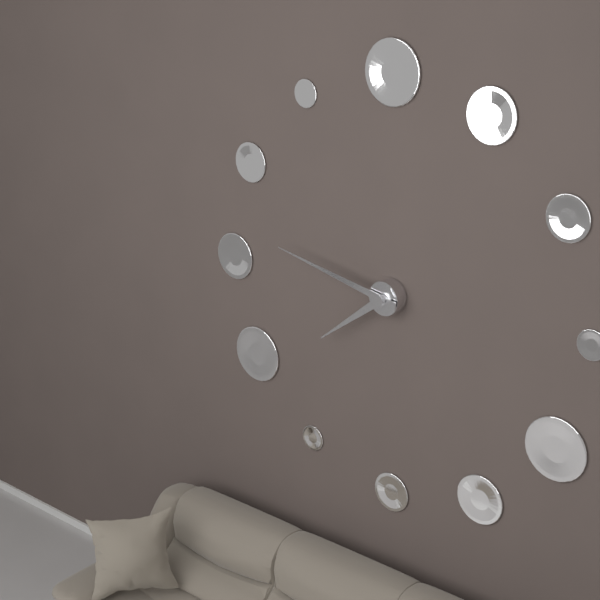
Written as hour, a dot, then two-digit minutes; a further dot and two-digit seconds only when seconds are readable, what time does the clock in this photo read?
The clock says 7.47
